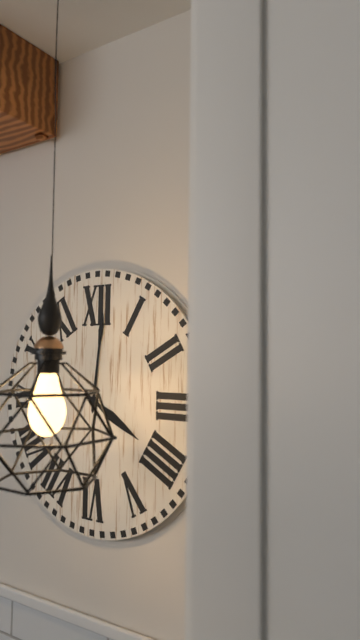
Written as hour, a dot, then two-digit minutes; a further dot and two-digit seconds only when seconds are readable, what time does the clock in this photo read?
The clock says 4.01
